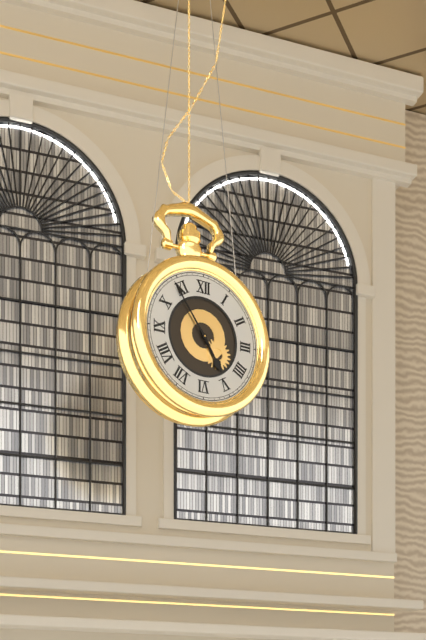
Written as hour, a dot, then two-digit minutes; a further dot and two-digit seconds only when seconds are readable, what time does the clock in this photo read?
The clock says 4.54
